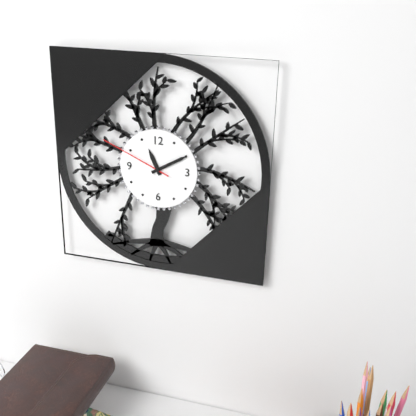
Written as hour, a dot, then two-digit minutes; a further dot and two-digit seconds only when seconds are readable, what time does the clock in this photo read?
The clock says 11.10.49
